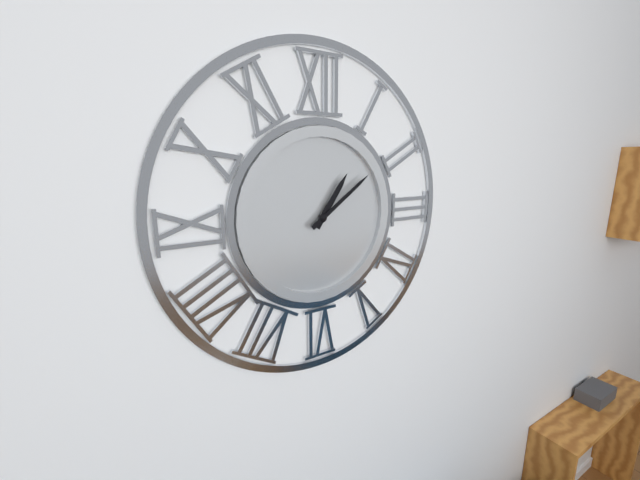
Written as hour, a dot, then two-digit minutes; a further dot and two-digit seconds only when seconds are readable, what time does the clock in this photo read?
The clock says 1.09
